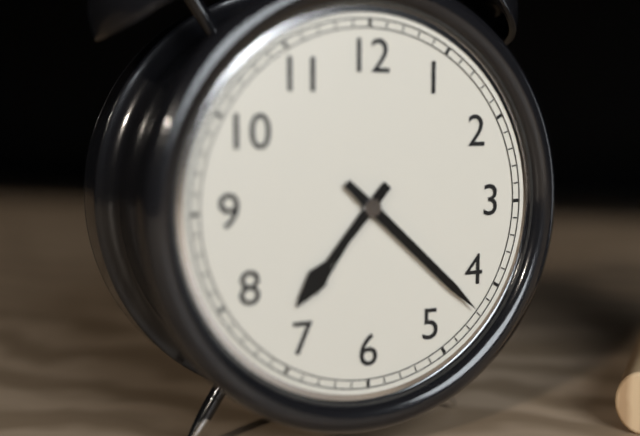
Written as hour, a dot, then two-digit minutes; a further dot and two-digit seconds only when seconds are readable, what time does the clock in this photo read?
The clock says 7.22
